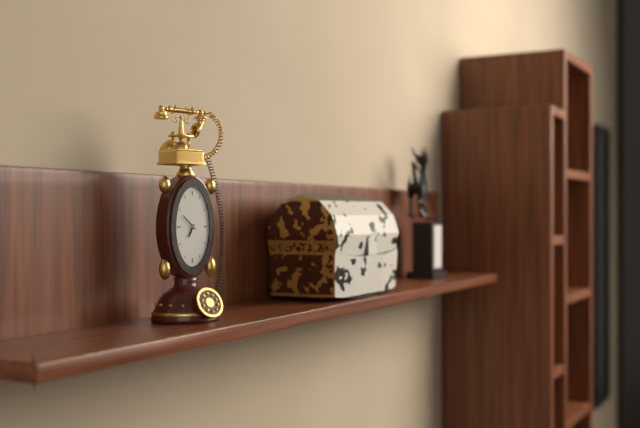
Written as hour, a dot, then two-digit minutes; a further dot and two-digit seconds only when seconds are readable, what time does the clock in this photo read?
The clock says 6.52
